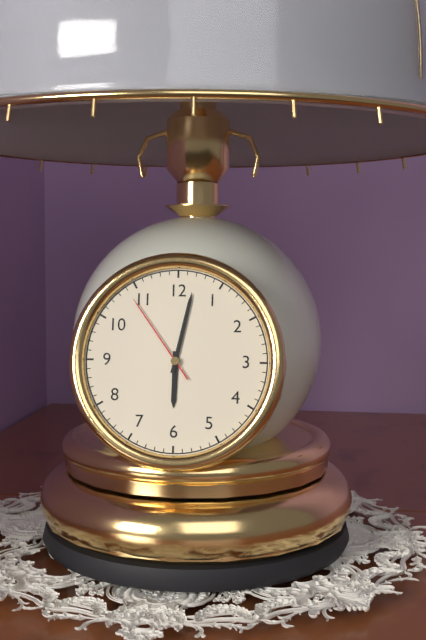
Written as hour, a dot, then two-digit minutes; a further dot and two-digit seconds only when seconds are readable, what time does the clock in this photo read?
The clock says 6.02.54
